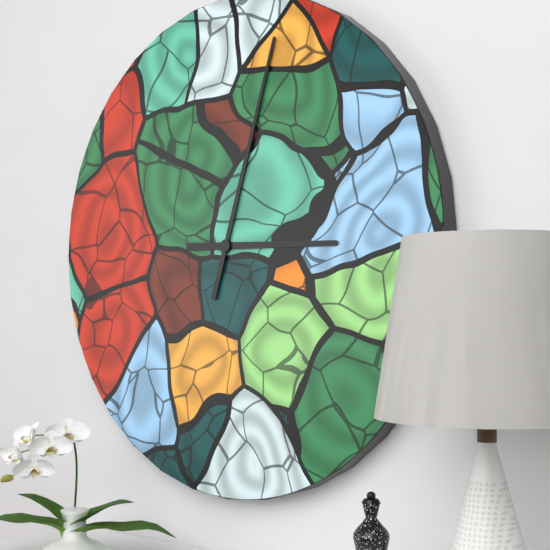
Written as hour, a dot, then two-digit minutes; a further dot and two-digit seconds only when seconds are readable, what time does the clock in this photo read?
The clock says 3.03
